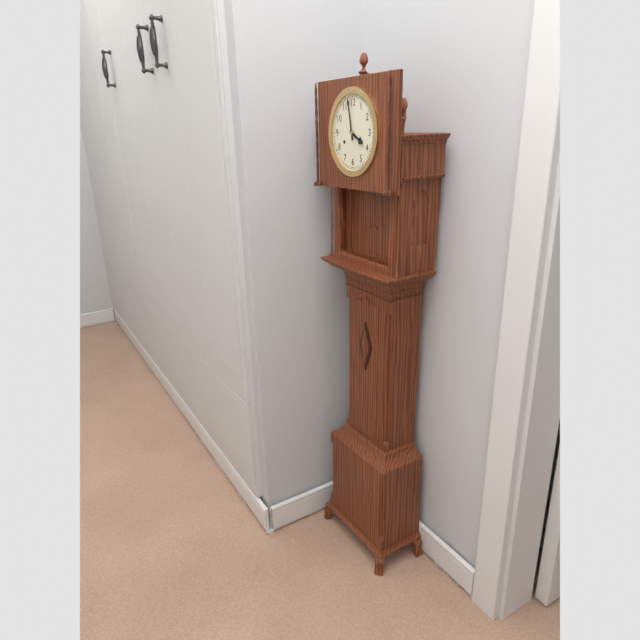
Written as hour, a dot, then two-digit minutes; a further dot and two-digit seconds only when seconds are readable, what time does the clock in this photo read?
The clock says 3.58
